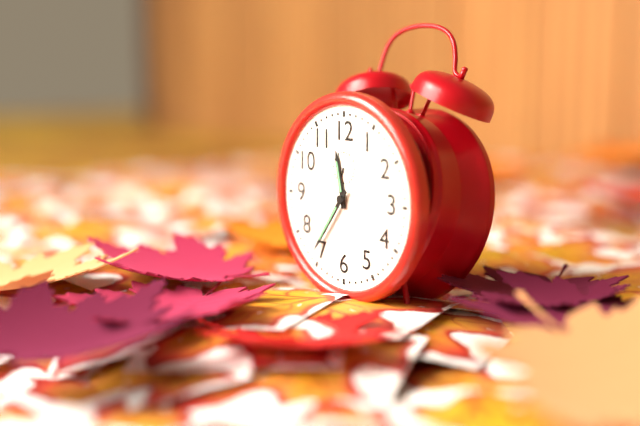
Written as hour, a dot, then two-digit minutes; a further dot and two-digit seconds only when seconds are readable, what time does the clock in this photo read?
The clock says 11.36
